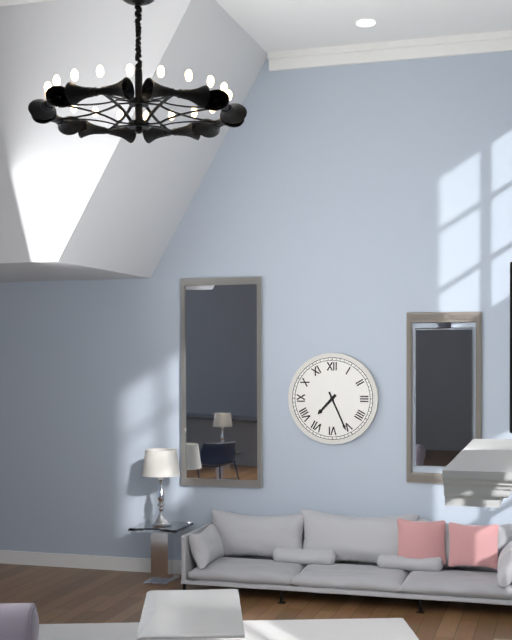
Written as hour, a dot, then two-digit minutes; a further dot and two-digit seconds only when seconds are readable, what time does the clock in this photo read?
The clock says 7.26
